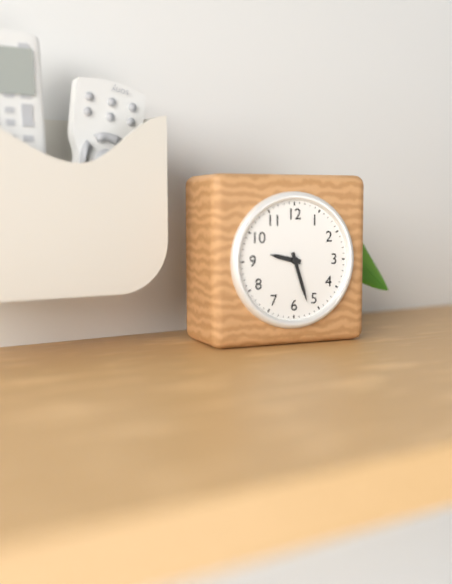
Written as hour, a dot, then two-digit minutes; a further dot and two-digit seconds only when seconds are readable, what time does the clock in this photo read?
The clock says 9.27
